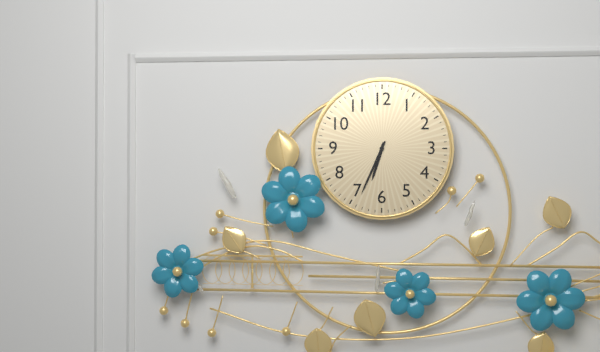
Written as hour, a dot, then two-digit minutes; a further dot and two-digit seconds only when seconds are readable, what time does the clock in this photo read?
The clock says 6.34
